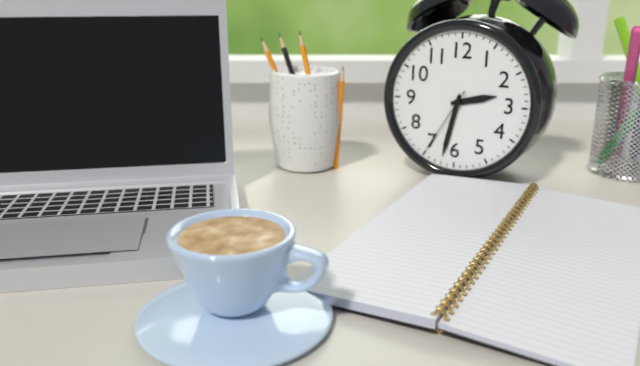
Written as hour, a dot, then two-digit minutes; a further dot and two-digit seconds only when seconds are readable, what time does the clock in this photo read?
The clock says 2.32.35
